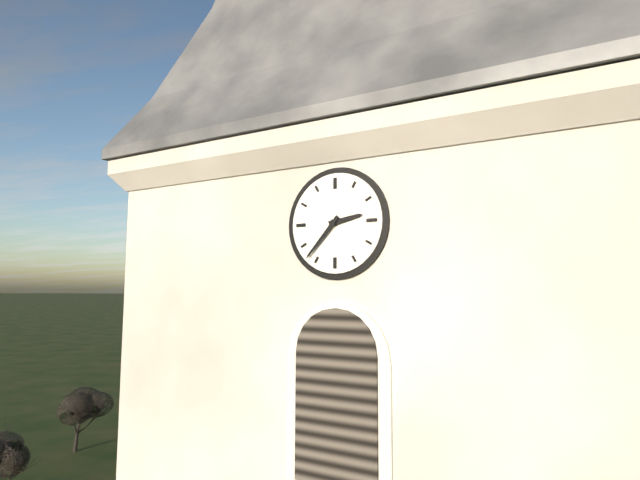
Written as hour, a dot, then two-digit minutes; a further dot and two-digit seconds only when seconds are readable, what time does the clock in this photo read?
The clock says 2.37
